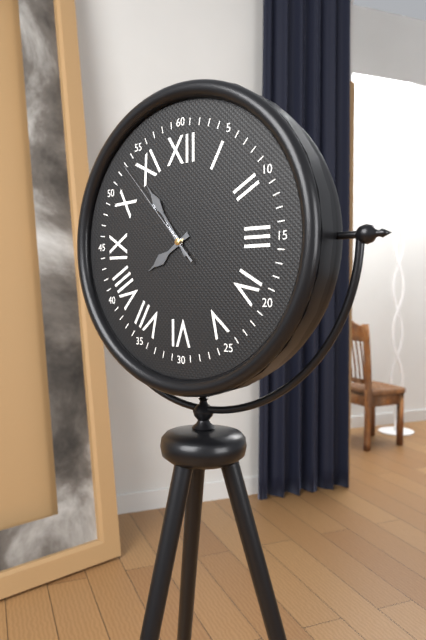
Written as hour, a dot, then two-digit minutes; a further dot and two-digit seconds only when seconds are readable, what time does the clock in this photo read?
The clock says 7.54.53
